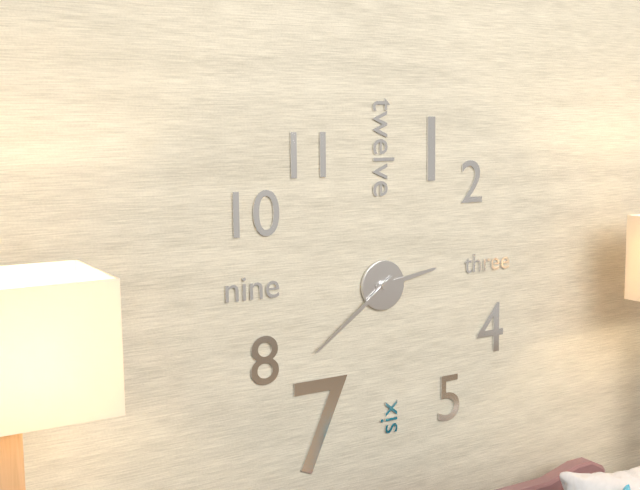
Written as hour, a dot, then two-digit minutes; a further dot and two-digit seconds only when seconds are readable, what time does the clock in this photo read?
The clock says 2.39
